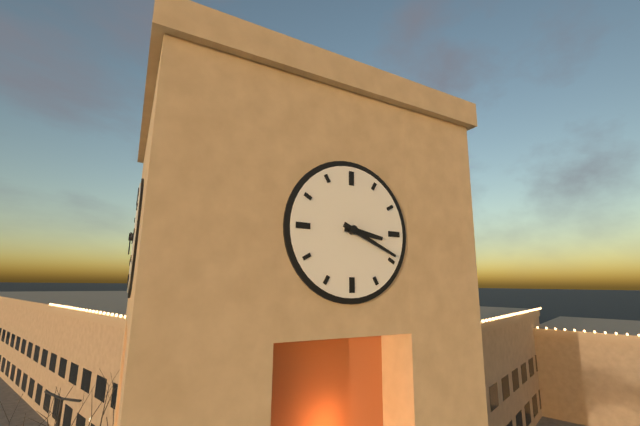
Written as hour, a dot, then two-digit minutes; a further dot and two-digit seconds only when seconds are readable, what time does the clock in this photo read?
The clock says 3.19
